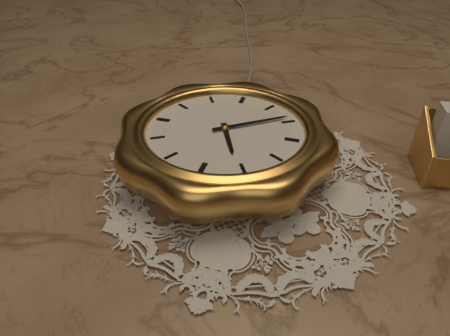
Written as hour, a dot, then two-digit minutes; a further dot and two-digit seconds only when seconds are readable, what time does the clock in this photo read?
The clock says 5.09
